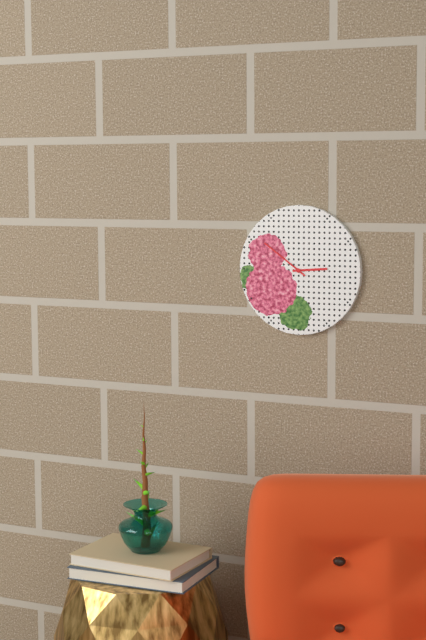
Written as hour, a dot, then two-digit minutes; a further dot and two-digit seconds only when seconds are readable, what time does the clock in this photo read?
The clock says 2.51
